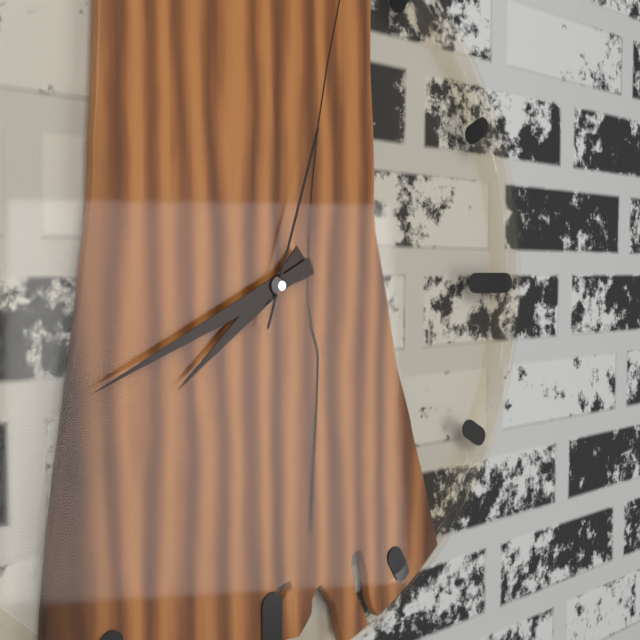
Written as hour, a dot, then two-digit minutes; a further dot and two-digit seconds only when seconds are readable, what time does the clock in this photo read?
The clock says 7.41.03
